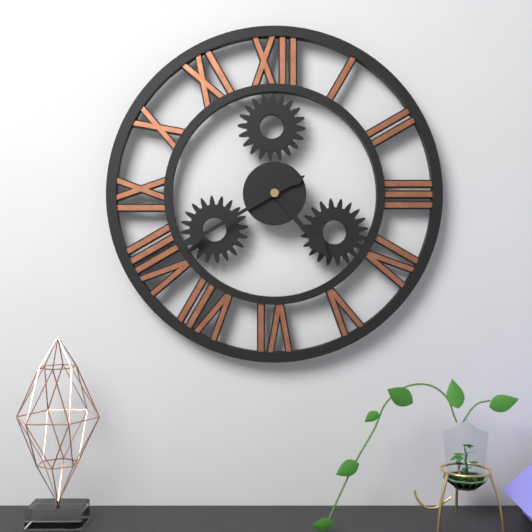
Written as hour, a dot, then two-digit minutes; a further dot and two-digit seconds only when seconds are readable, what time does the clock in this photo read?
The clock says 4.40
